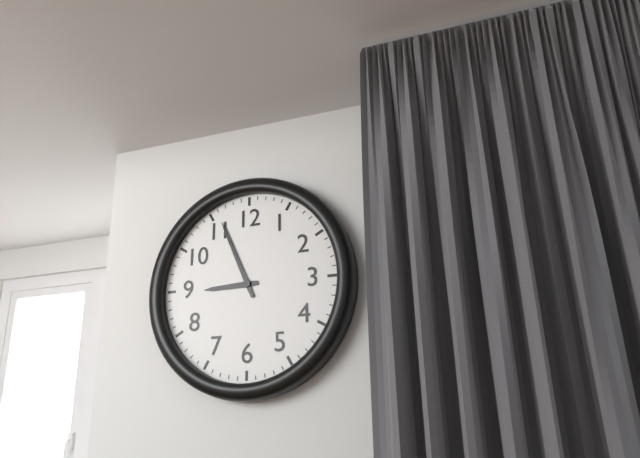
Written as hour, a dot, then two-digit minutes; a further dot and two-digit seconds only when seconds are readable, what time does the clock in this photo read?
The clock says 8.56
